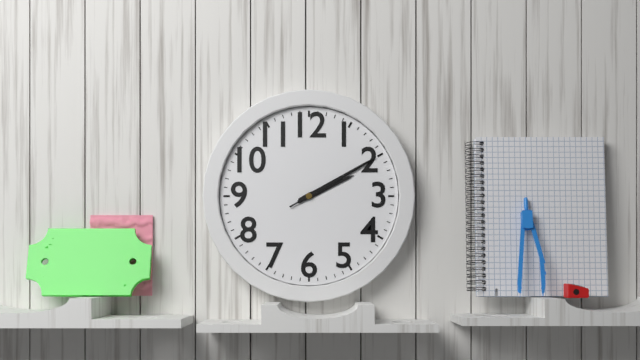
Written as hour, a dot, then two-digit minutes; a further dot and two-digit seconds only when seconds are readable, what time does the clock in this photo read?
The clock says 2.10.10
